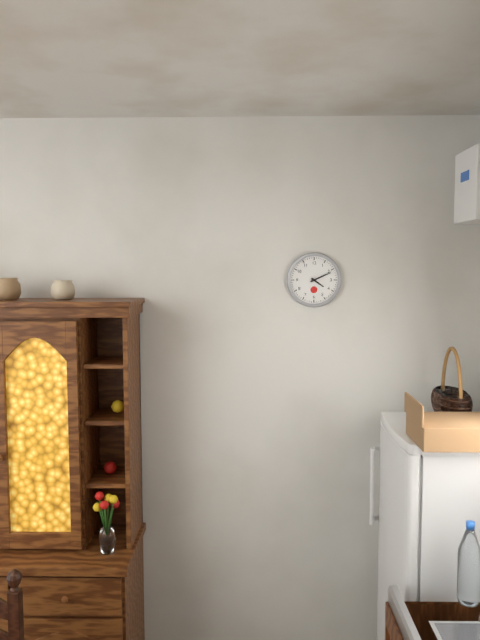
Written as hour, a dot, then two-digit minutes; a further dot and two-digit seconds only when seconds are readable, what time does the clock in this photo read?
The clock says 4.11
